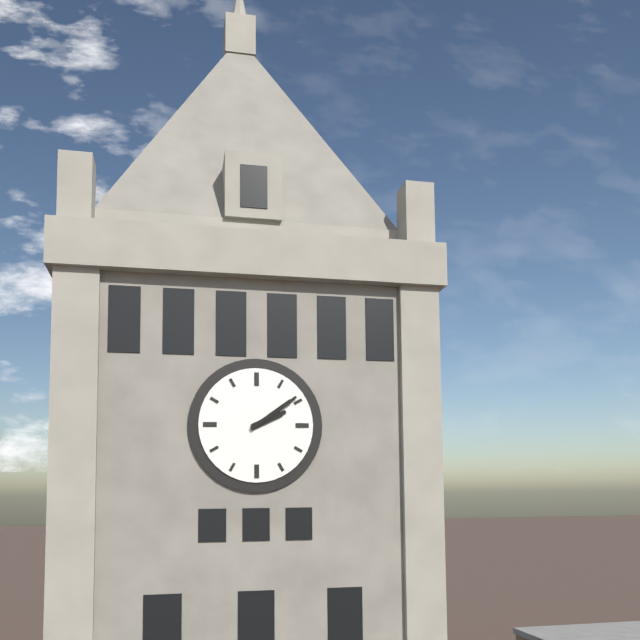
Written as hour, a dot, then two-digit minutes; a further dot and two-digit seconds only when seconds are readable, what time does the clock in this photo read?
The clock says 2.09
